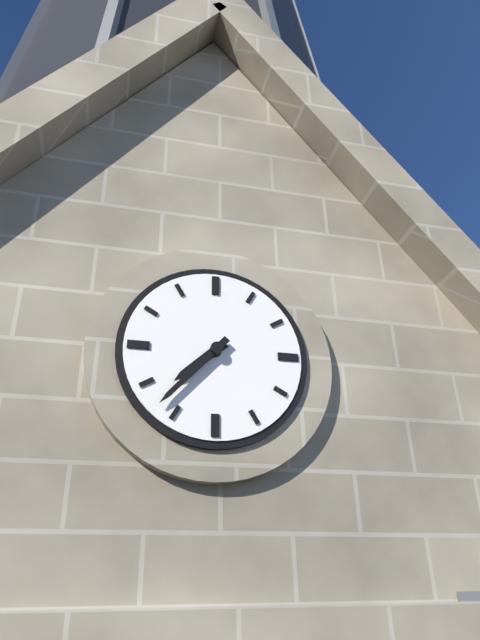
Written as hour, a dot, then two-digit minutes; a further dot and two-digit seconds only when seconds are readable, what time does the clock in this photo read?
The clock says 7.37
